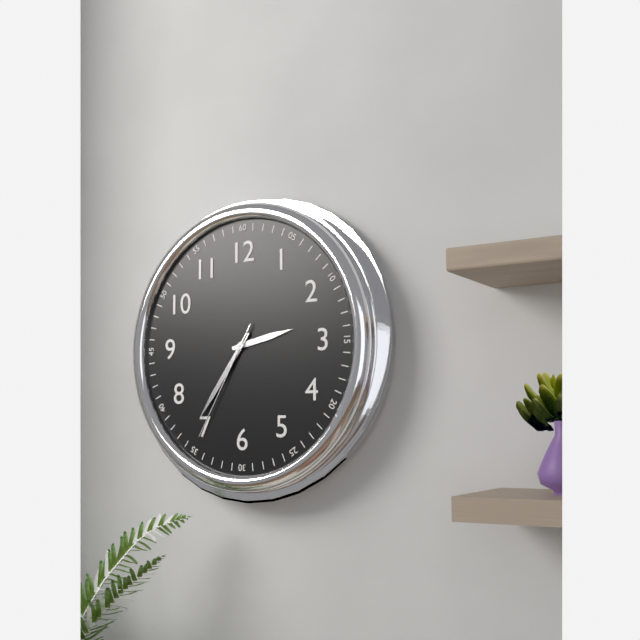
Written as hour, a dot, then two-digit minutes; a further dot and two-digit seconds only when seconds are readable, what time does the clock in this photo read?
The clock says 2.36.35
